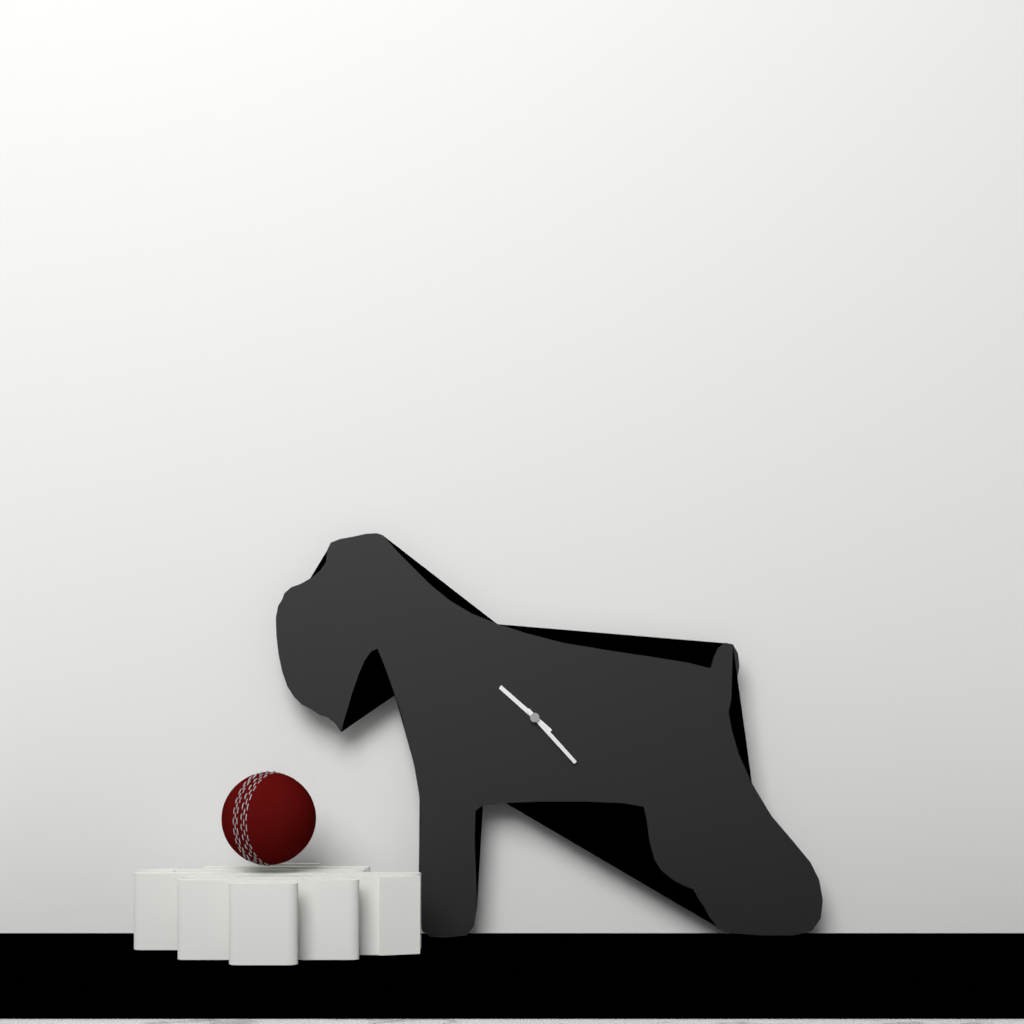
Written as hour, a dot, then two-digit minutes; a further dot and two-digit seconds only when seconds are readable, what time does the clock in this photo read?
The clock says 10.23
